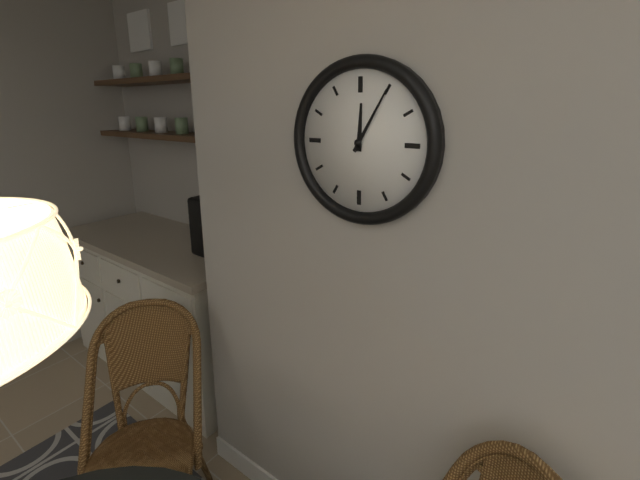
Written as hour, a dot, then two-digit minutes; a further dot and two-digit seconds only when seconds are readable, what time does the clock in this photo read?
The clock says 12.05
